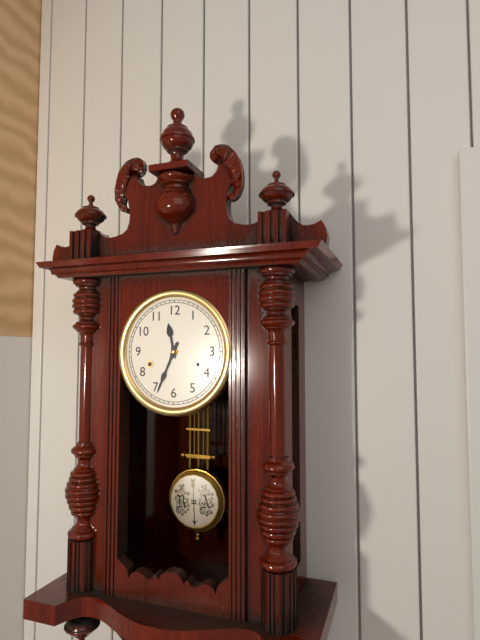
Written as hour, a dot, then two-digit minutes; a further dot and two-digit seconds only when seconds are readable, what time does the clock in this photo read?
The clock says 11.34
